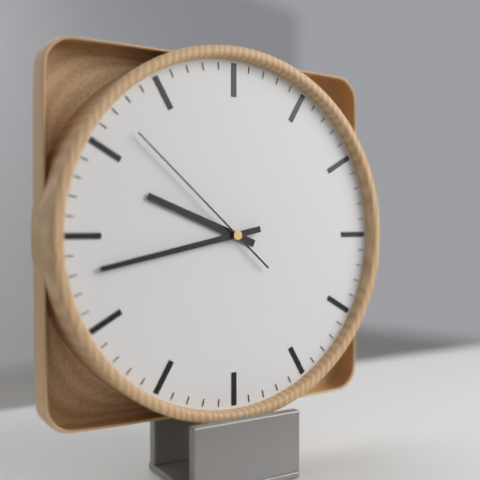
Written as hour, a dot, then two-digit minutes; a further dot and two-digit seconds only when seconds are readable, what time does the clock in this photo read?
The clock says 9.43.52
